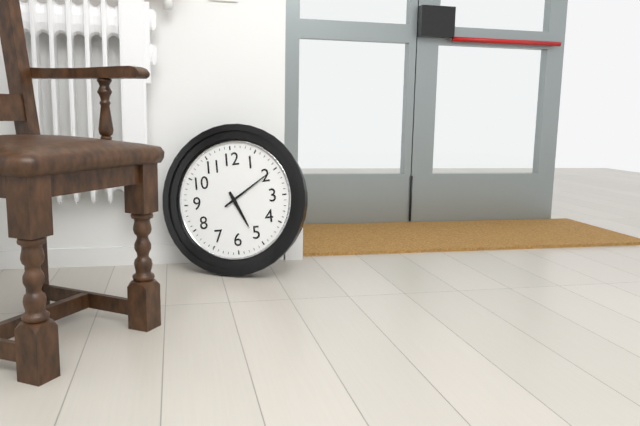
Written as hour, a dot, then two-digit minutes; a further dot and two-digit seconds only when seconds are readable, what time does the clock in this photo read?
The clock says 5.10
